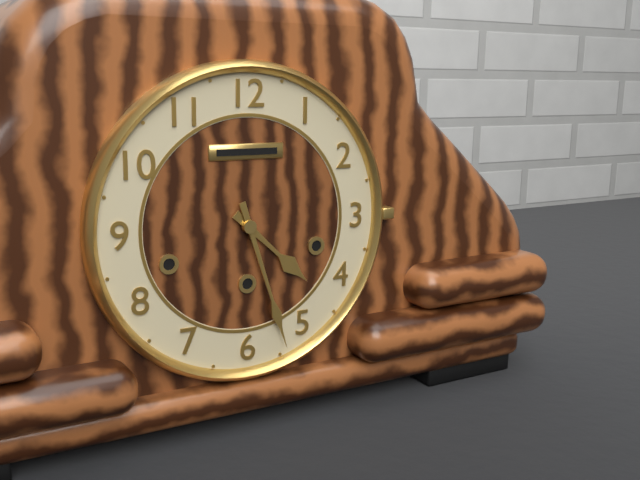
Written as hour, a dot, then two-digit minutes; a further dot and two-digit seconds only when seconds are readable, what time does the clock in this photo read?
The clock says 4.27
